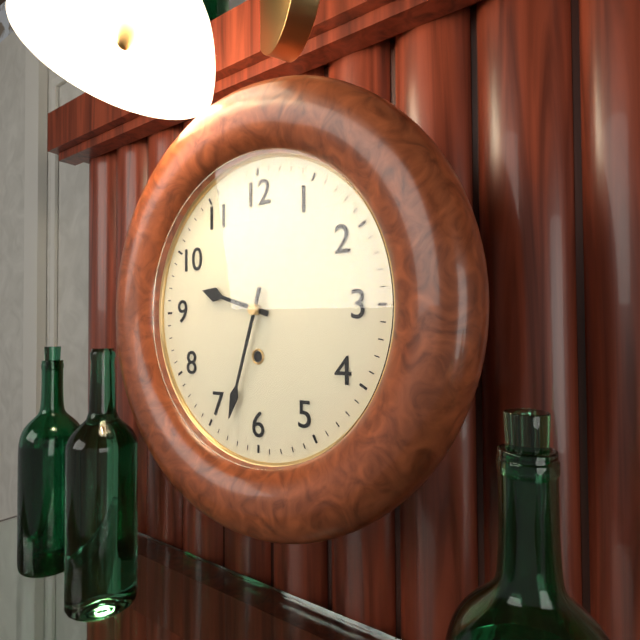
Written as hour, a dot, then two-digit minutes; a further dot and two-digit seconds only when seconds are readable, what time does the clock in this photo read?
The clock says 9.33
